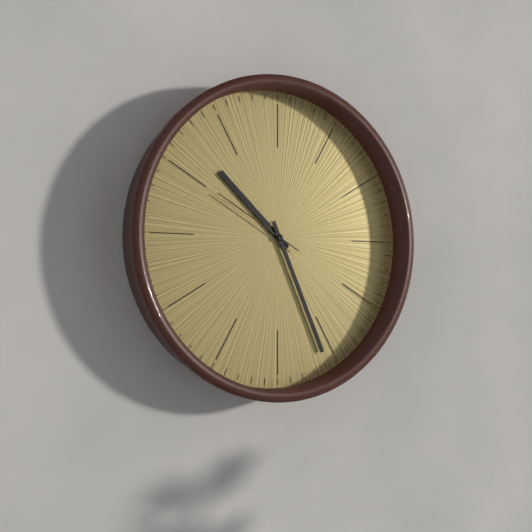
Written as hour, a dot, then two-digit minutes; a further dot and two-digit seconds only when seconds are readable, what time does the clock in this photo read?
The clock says 10.26.50
